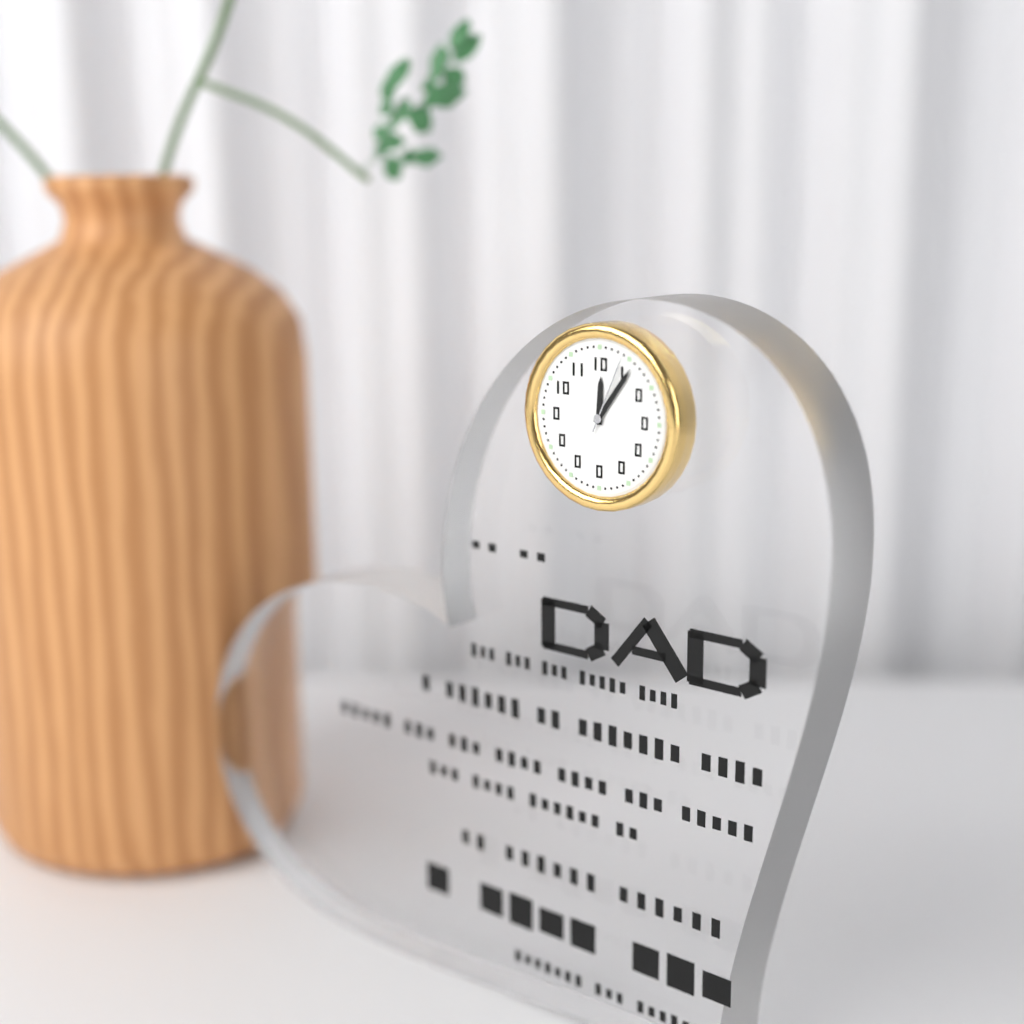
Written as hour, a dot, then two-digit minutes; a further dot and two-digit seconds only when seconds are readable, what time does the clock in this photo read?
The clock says 12.06.04
